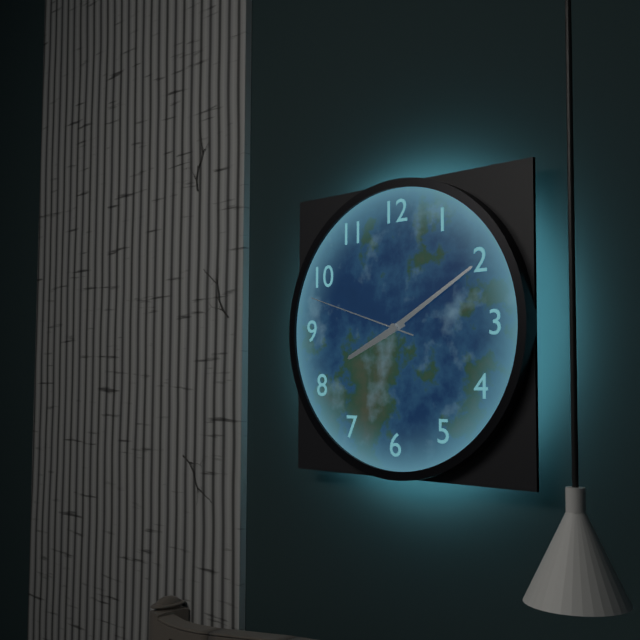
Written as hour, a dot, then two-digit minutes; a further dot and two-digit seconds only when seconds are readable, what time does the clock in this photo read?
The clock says 8.10.48
